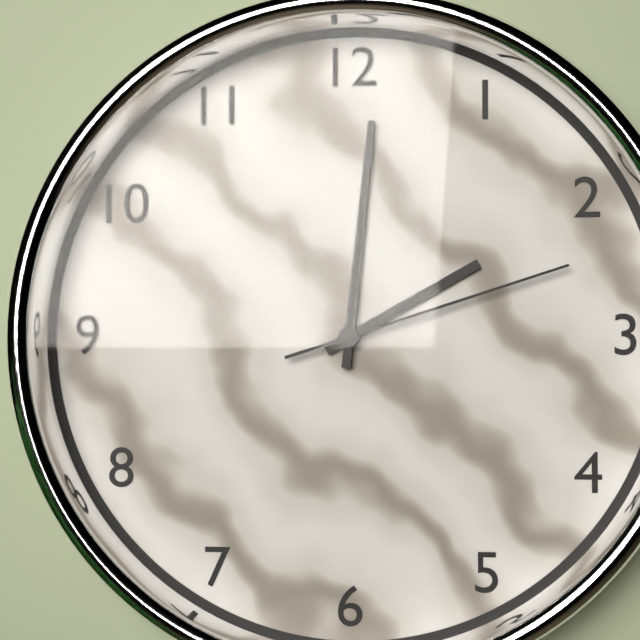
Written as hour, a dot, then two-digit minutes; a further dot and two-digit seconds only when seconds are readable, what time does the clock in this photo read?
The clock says 2.01.12
